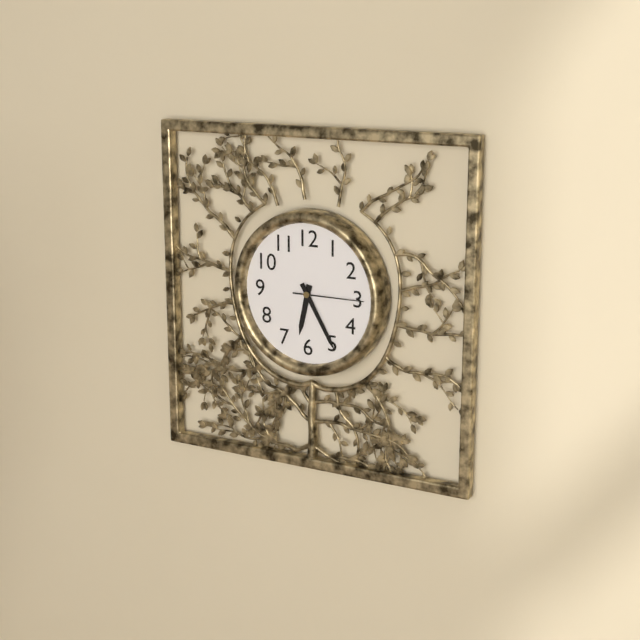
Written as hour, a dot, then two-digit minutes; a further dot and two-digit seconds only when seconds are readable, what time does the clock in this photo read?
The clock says 6.25.15
